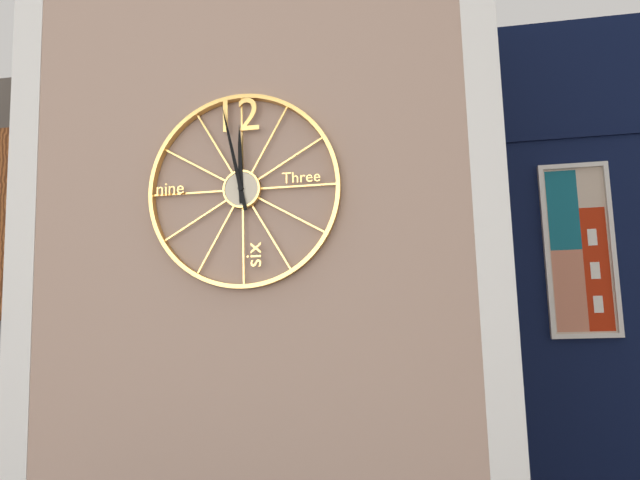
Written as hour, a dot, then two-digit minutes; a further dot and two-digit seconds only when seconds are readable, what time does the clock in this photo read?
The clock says 11.58
